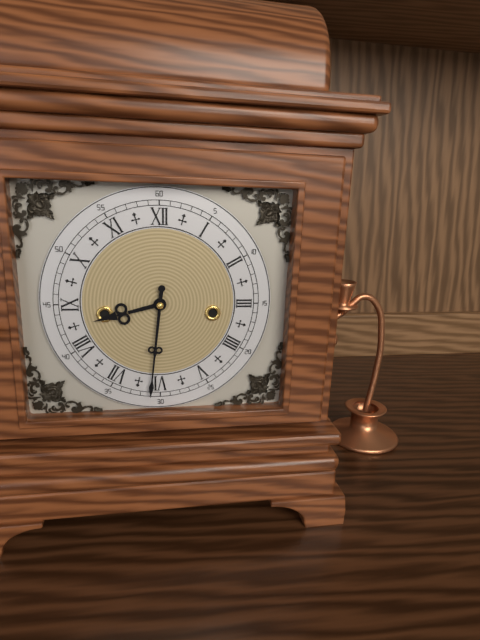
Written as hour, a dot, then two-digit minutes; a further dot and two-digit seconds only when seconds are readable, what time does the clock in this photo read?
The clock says 8.31
